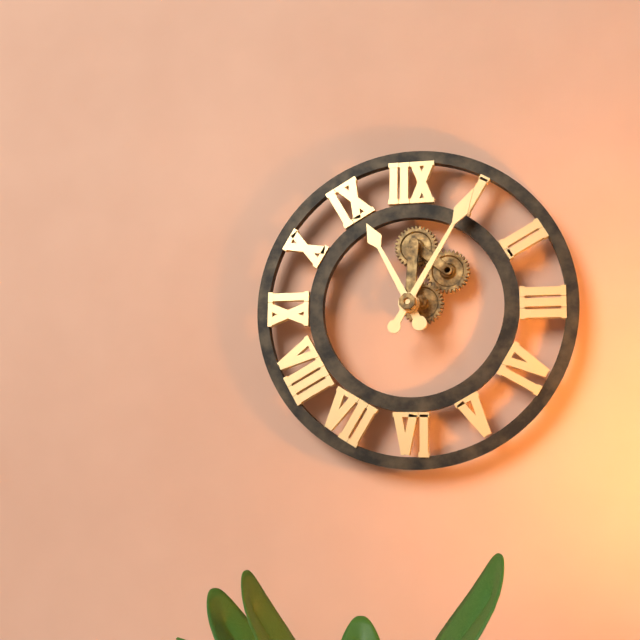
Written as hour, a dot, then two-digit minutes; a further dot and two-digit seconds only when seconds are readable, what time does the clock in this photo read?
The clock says 11.05
